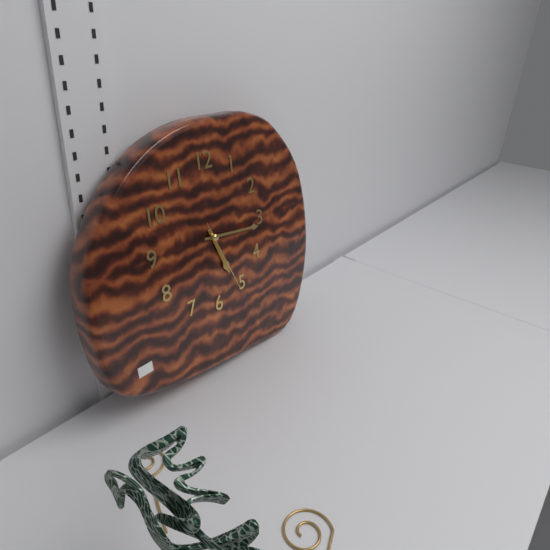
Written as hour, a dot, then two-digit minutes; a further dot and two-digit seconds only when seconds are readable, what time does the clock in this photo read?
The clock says 5.16.26
